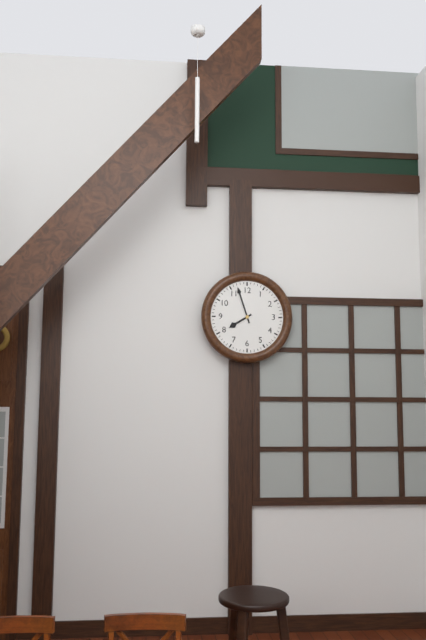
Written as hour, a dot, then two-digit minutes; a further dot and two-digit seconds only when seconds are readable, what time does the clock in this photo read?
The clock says 7.57
